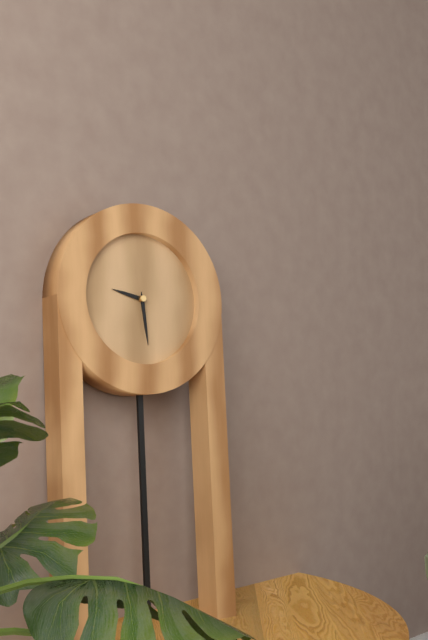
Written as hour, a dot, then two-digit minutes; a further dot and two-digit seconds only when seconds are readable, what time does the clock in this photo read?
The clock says 9.29
